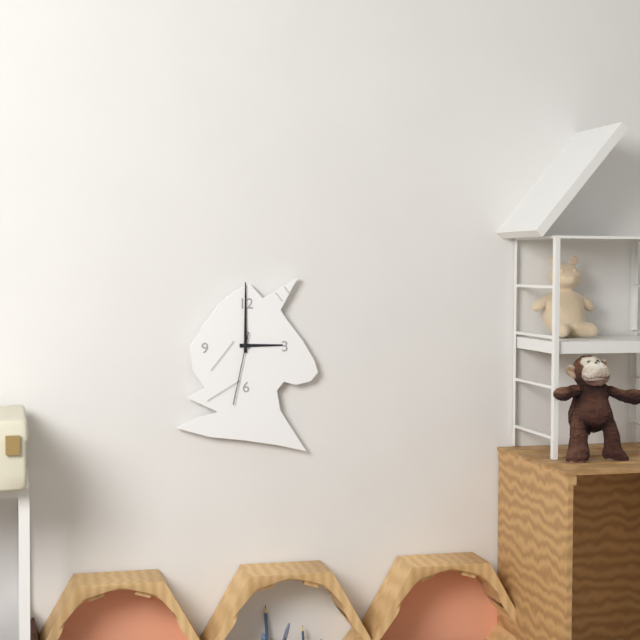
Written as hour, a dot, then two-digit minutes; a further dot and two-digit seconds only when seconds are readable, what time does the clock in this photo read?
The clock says 3.00.32
